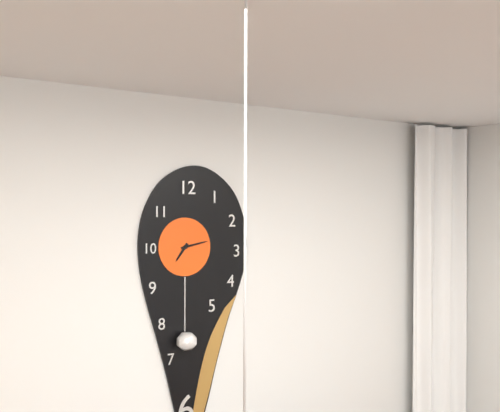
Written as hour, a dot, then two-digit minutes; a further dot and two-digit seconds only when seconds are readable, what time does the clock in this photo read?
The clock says 7.13
